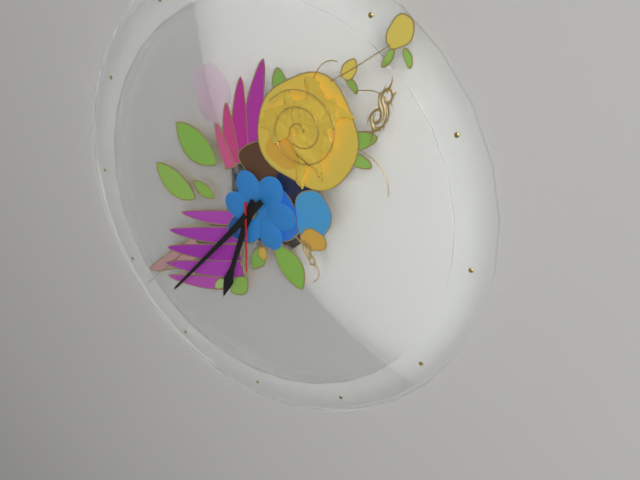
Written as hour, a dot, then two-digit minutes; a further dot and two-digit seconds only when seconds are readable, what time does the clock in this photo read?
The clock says 6.37.30
